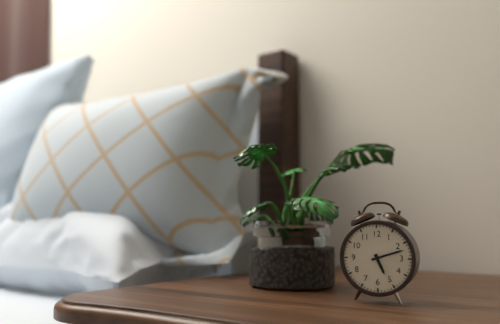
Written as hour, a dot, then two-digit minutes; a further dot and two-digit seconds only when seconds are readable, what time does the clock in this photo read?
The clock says 5.12
